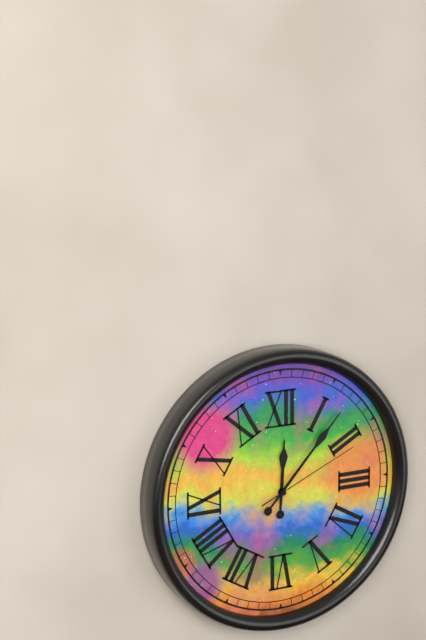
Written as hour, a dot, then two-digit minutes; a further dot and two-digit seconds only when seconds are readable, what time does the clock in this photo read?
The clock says 12.07.11
